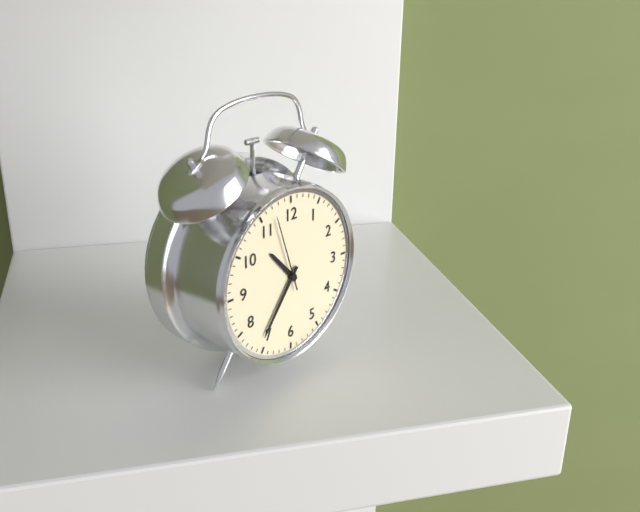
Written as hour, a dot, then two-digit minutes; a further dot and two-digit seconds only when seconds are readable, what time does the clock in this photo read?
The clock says 10.36.57
